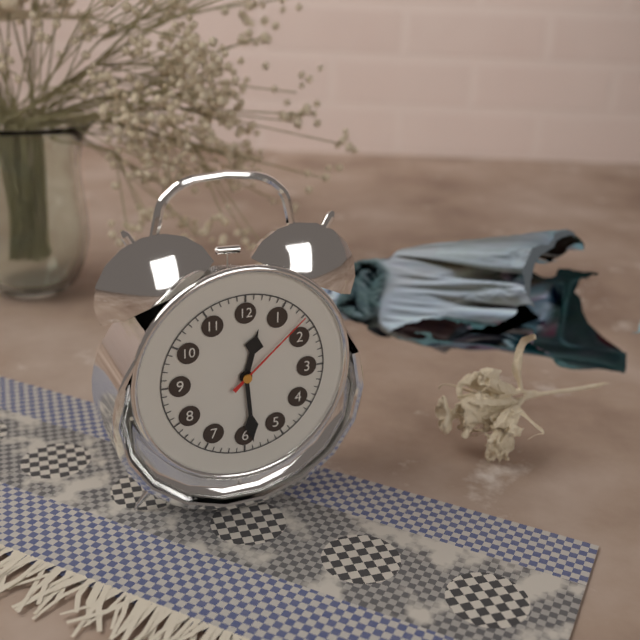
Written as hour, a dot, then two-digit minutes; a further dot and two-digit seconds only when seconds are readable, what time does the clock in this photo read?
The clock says 12.29.08
